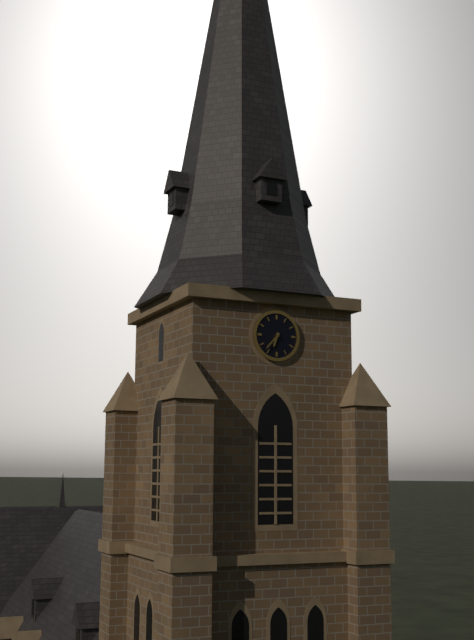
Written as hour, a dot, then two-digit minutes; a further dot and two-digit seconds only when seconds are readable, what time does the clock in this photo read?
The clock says 6.37
